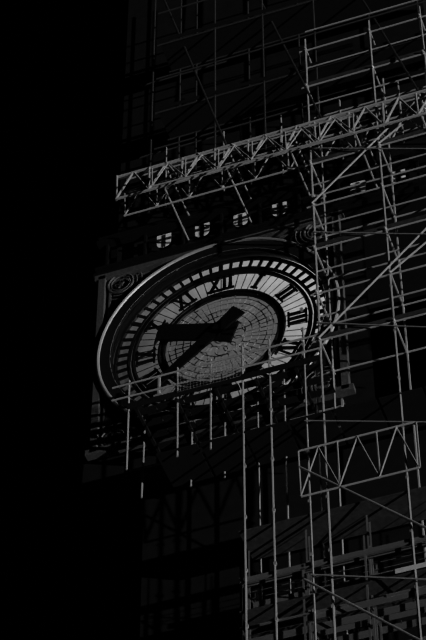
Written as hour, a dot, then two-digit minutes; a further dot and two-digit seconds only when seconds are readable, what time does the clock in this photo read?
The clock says 9.38
